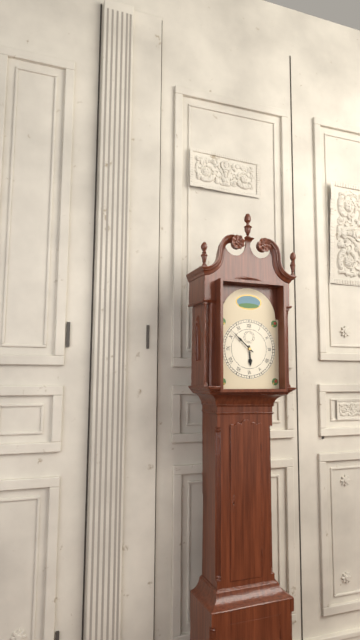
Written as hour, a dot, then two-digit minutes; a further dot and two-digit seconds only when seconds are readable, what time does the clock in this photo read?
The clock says 5.52
